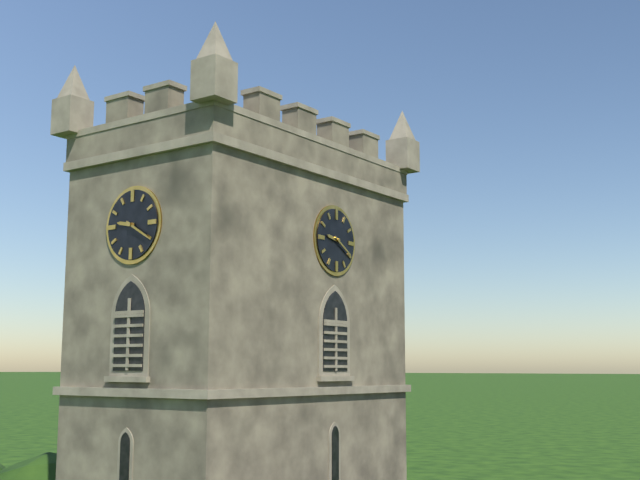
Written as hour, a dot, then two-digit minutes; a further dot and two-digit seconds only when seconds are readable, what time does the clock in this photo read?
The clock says 9.20
